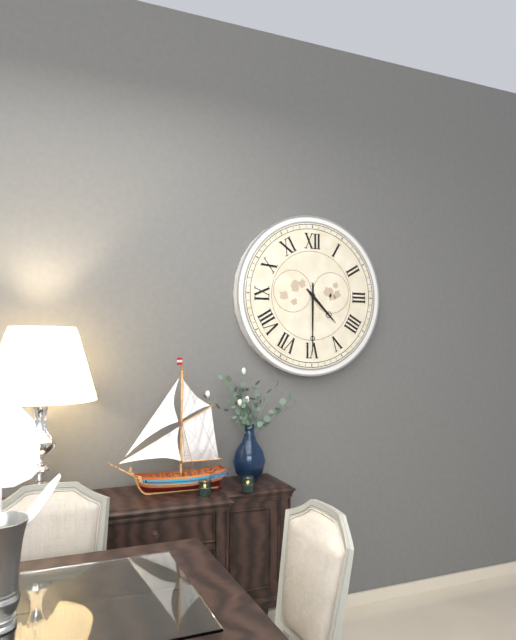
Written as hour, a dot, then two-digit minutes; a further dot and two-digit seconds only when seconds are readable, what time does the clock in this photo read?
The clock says 4.30
